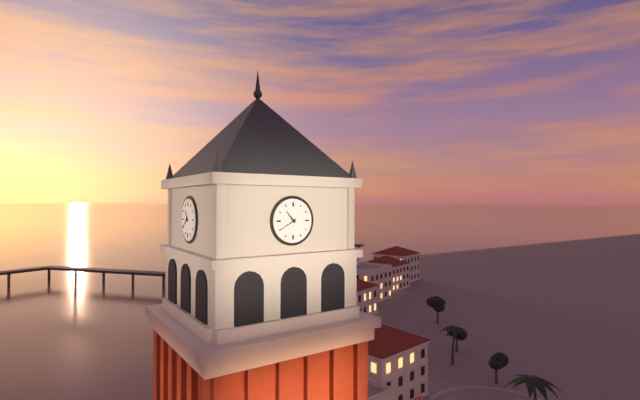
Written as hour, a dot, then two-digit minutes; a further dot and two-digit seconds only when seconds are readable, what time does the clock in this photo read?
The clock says 10.40
